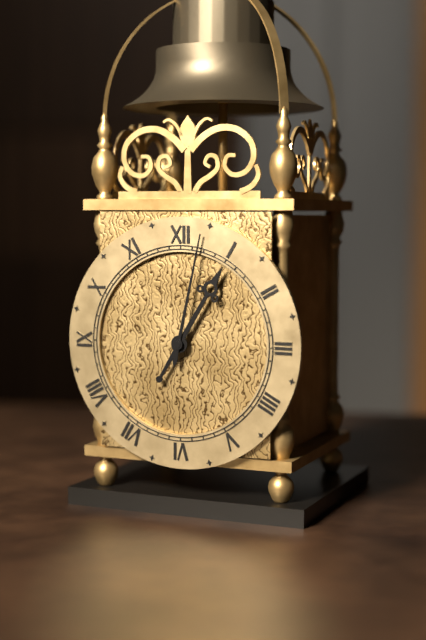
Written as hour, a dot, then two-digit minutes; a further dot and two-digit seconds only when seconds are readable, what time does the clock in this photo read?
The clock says 1.02
